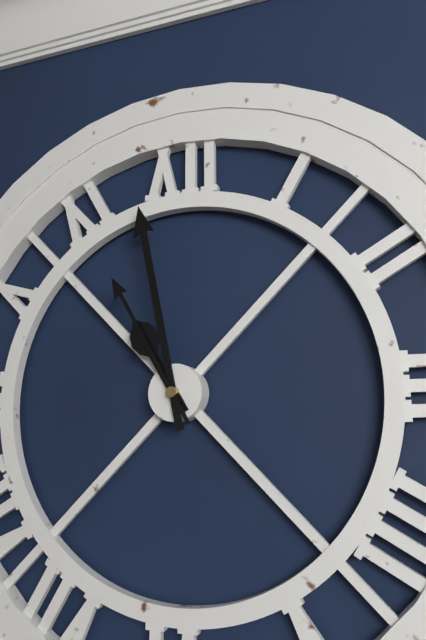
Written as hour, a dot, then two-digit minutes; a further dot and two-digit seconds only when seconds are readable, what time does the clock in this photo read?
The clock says 10.58.55
